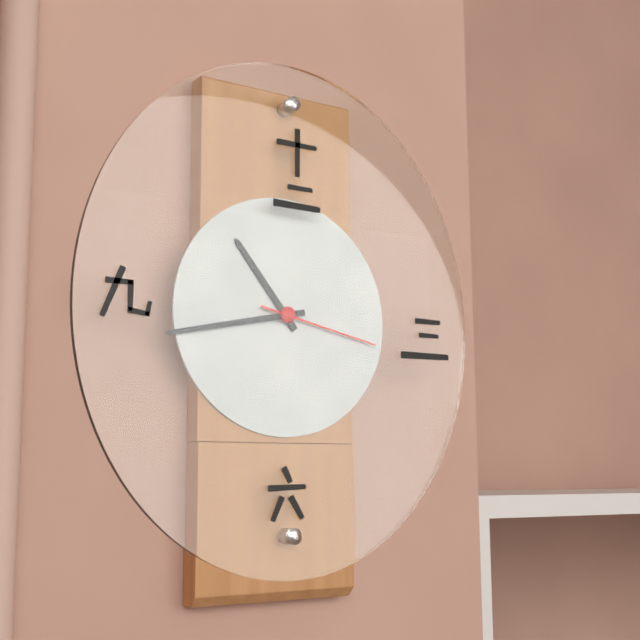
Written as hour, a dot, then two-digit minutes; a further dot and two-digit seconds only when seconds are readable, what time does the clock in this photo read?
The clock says 10.43.17
